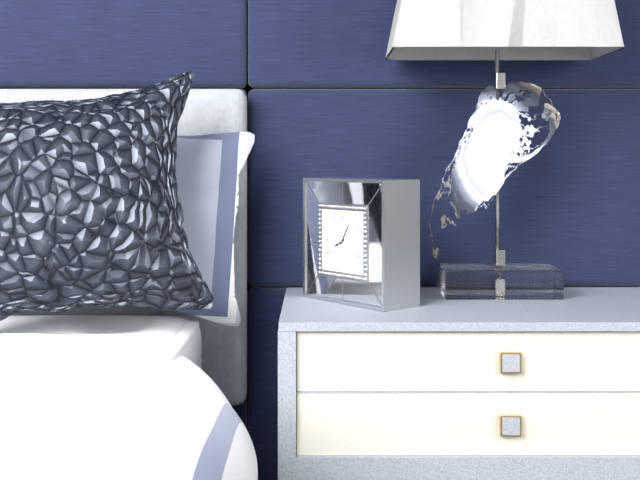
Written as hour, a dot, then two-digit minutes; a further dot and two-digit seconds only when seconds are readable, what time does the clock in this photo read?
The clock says 8.05
